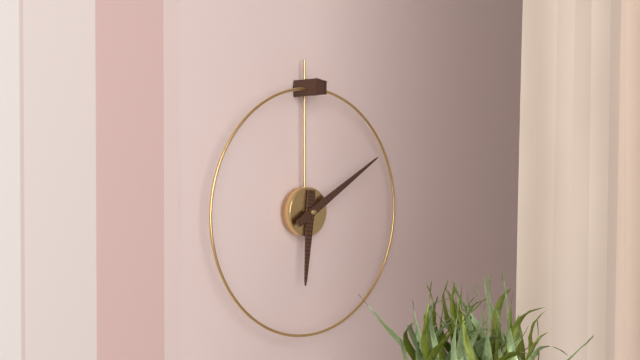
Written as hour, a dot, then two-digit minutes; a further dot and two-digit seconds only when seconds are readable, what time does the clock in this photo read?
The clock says 6.10
